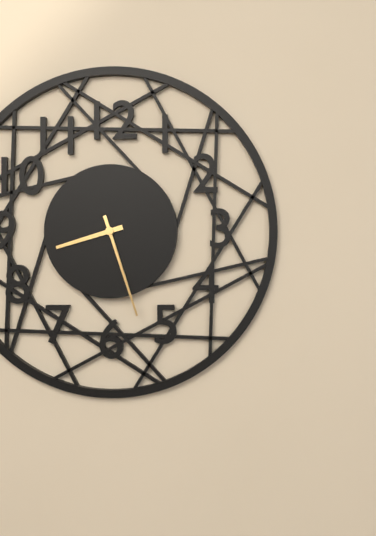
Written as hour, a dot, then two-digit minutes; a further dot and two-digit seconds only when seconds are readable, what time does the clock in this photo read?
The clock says 8.27
